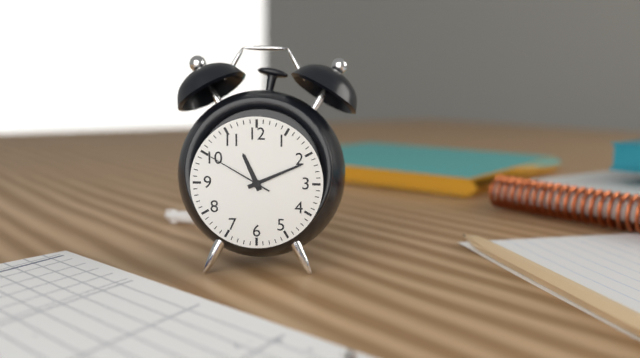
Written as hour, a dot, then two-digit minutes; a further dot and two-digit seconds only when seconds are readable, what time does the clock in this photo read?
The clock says 11.11.50
